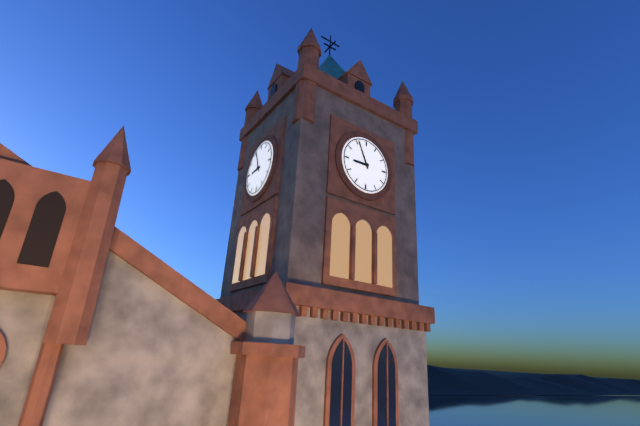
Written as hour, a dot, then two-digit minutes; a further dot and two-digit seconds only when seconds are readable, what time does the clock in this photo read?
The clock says 8.56
